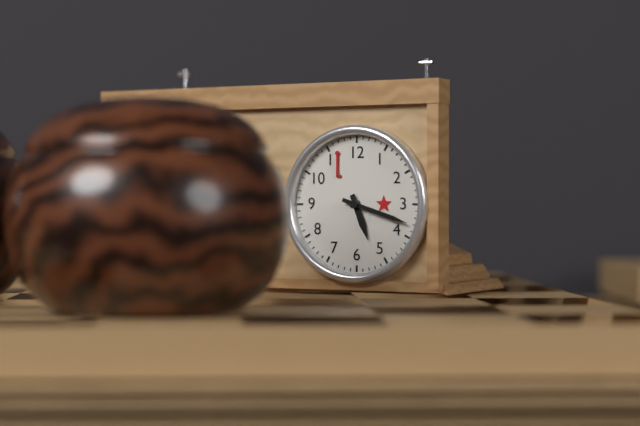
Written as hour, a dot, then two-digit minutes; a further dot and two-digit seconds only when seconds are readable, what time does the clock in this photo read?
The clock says 5.18
